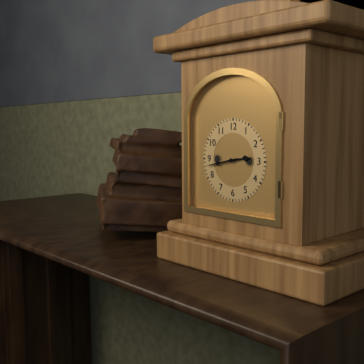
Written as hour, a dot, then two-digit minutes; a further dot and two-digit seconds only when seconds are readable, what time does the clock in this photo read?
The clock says 2.43
